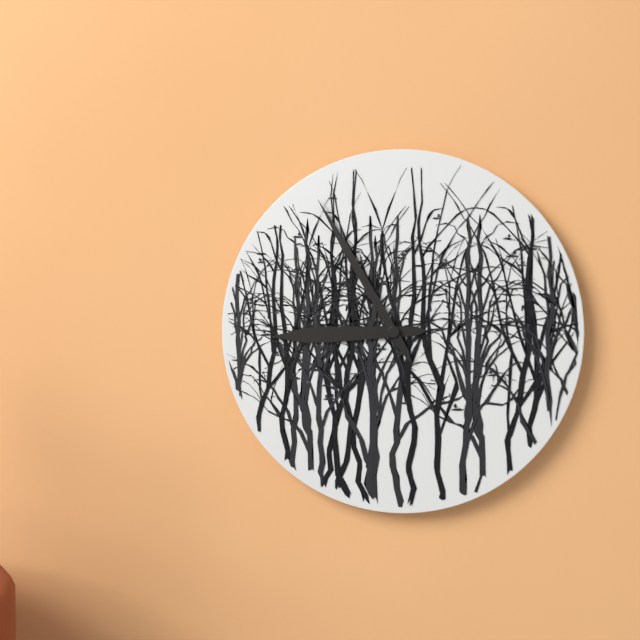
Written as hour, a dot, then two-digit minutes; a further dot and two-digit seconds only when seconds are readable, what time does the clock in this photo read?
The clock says 8.55
